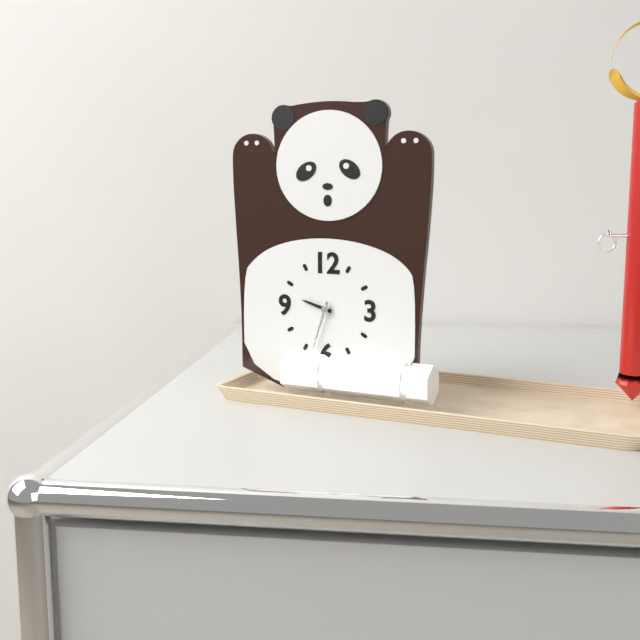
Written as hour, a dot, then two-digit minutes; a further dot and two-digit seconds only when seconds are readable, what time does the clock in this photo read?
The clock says 9.33
